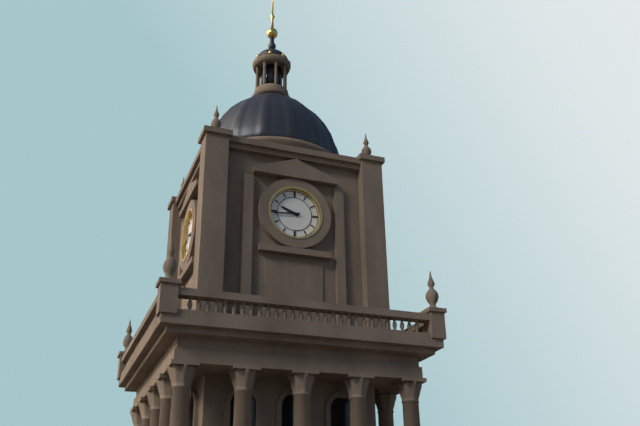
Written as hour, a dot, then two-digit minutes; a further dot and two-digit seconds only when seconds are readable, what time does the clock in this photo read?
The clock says 9.44
